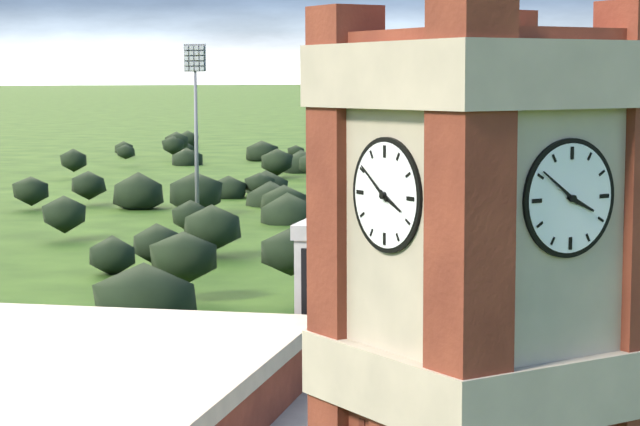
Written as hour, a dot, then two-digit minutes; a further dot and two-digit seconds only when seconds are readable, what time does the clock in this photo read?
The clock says 3.51
